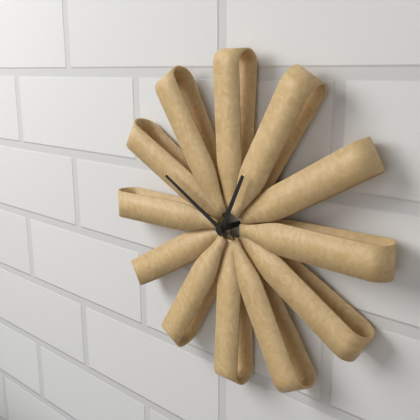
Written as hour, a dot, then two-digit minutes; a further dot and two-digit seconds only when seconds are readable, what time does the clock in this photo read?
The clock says 12.50
